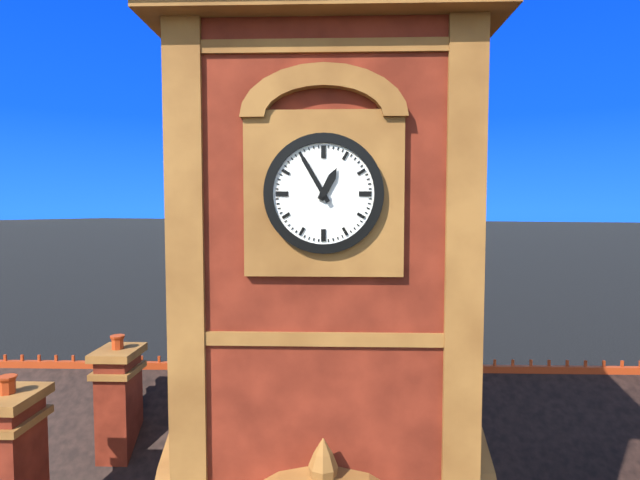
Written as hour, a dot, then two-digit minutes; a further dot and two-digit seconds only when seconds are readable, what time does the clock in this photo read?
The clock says 12.55
